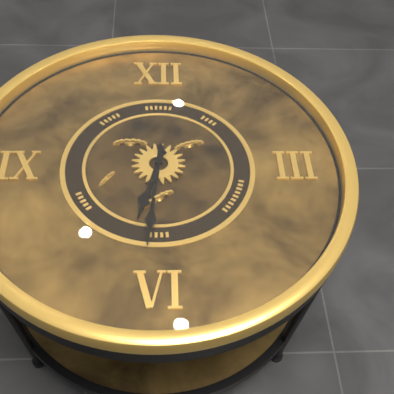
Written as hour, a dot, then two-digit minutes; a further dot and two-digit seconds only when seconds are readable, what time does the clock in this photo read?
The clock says 6.31
